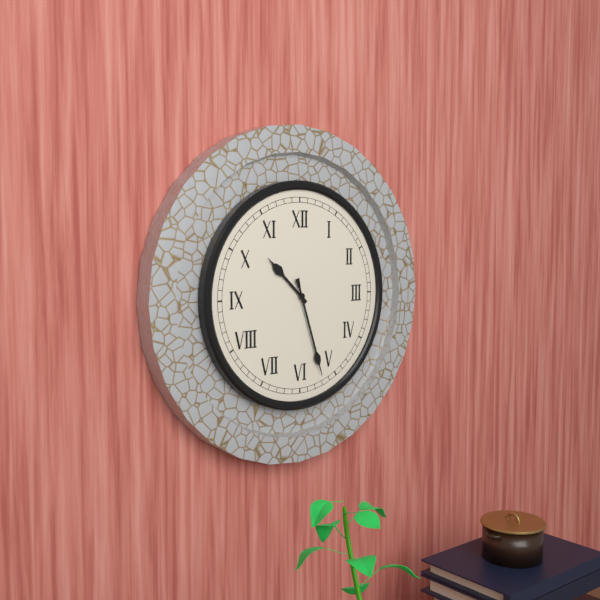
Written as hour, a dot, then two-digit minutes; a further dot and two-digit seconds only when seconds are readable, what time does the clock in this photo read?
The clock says 10.27
